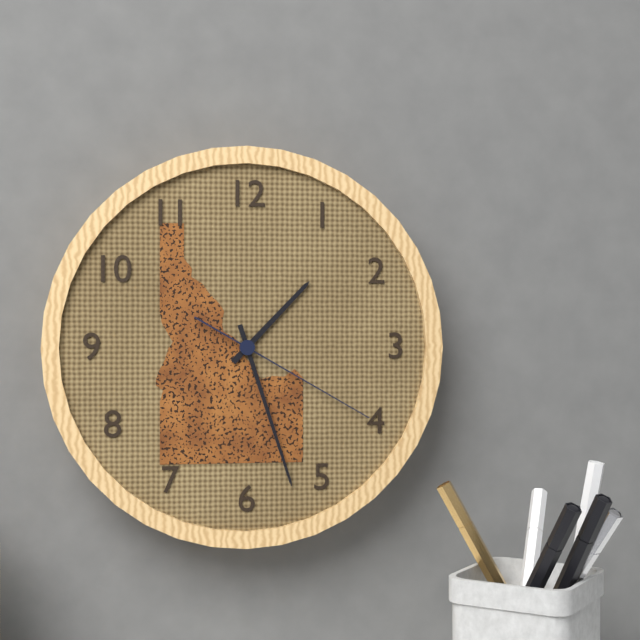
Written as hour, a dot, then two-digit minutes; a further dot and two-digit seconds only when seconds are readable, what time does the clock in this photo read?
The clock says 1.27.20
